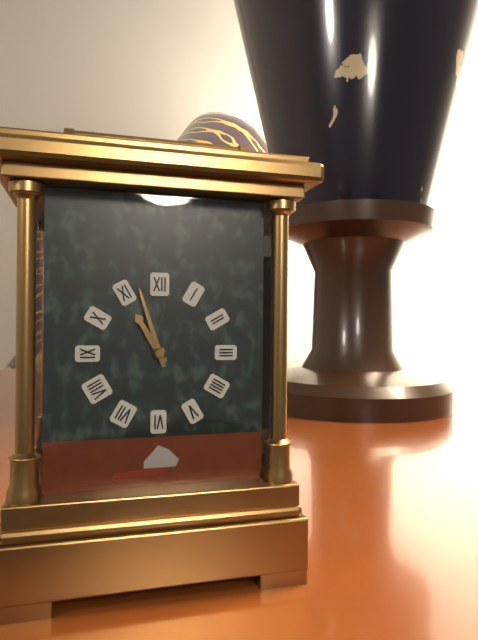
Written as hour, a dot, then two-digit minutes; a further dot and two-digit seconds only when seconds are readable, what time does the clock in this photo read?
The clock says 10.57
